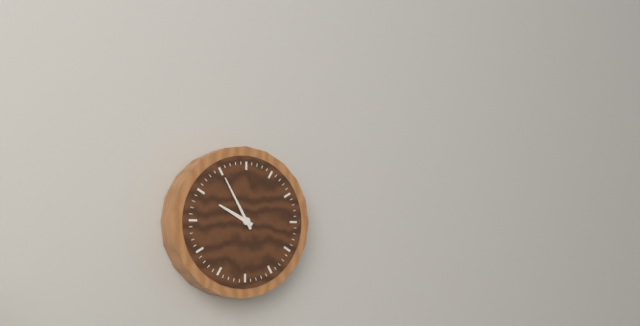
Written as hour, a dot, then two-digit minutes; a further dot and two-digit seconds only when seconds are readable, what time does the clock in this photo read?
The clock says 9.55
